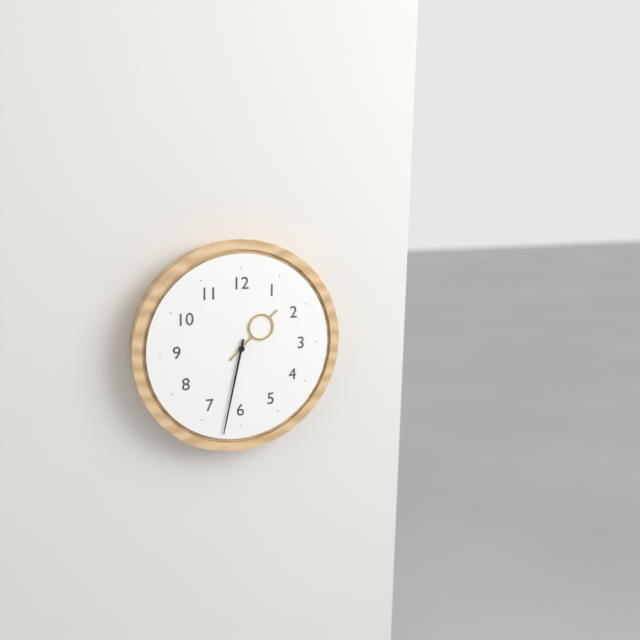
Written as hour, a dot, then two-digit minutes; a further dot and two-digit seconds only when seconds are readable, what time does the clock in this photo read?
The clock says 1.32
